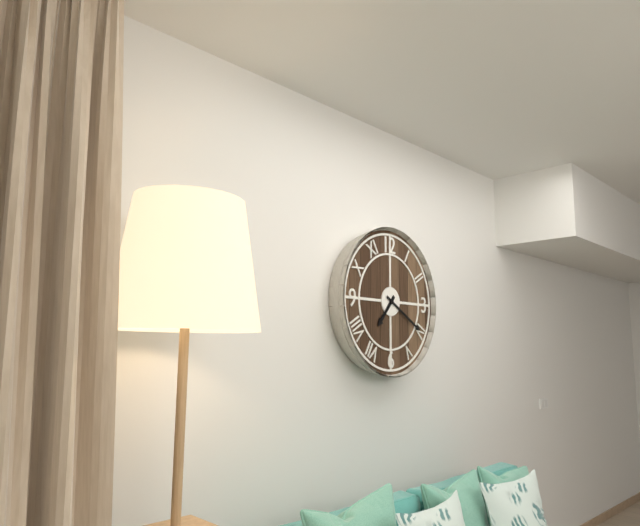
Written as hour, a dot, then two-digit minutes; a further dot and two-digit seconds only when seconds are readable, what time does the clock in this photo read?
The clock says 7.20
